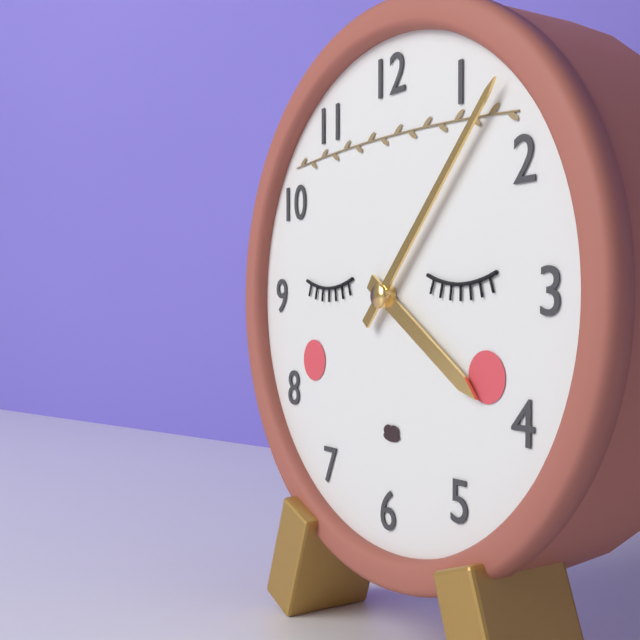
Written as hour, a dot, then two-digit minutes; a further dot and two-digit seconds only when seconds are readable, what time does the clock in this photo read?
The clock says 4.07
